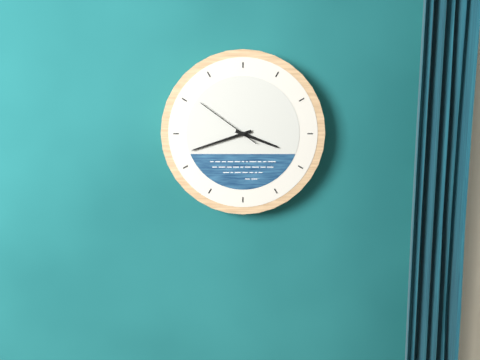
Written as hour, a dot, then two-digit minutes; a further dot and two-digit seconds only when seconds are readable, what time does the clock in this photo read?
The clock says 3.42.51
